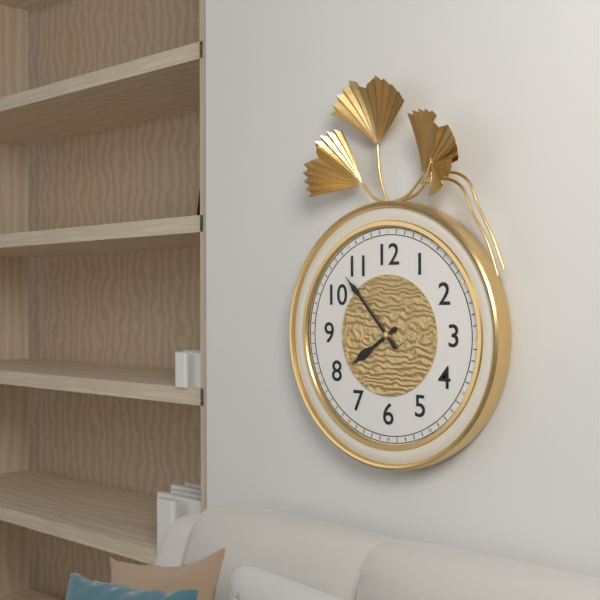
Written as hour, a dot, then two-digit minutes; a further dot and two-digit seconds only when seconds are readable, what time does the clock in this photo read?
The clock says 7.53
